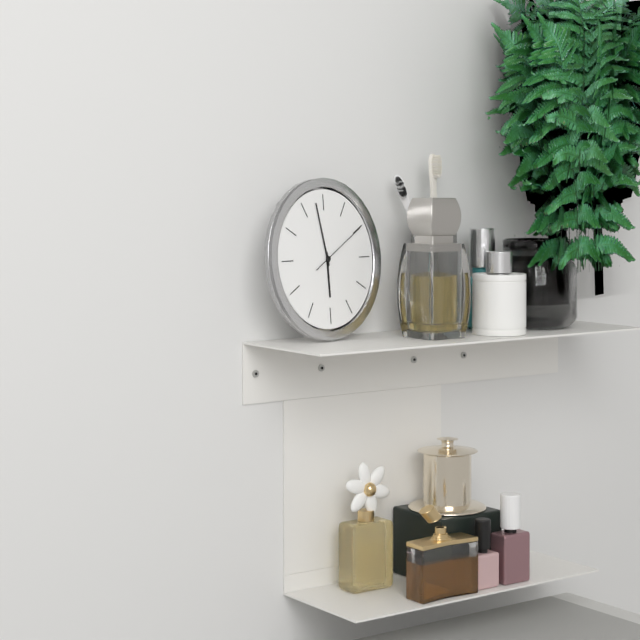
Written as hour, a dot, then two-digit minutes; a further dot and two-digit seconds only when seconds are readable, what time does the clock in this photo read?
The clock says 5.58.10
